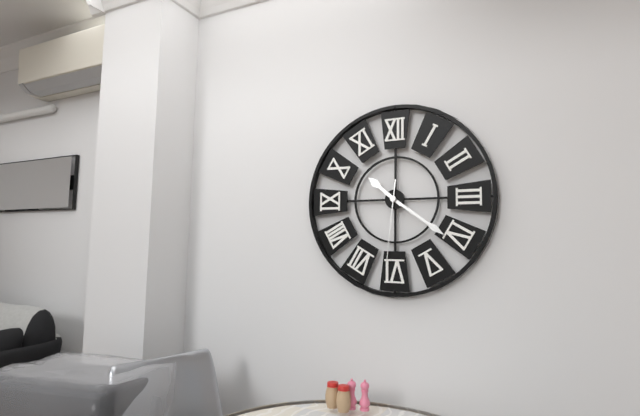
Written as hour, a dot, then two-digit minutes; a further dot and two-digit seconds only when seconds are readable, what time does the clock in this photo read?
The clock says 10.21.31
